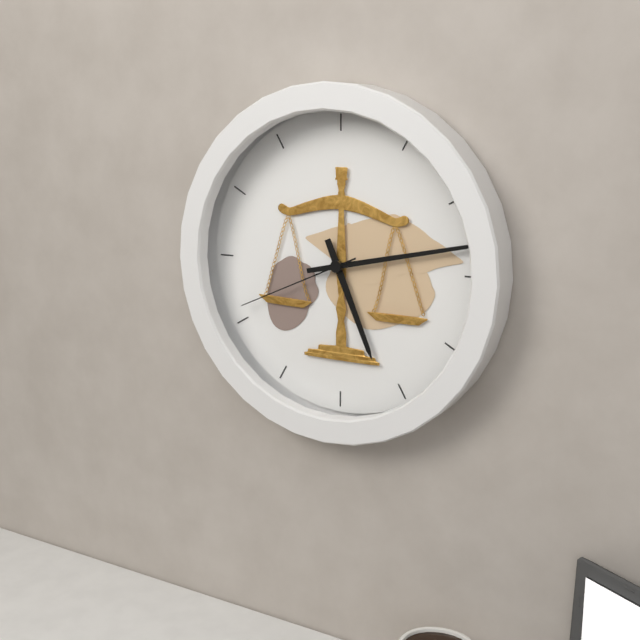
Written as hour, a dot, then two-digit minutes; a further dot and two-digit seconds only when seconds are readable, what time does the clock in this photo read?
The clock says 5.13.41
